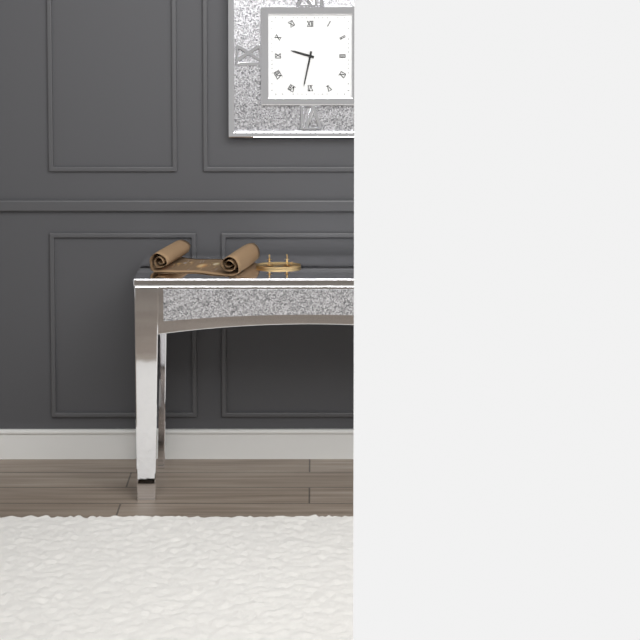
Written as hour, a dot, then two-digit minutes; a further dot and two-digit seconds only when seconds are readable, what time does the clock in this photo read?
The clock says 9.32
